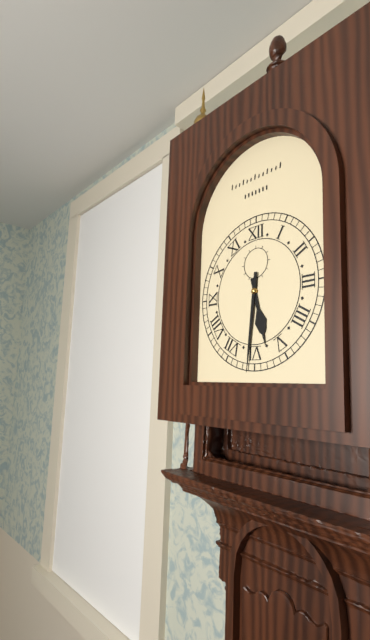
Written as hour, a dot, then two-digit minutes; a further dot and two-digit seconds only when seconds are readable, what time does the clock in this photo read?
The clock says 5.31
